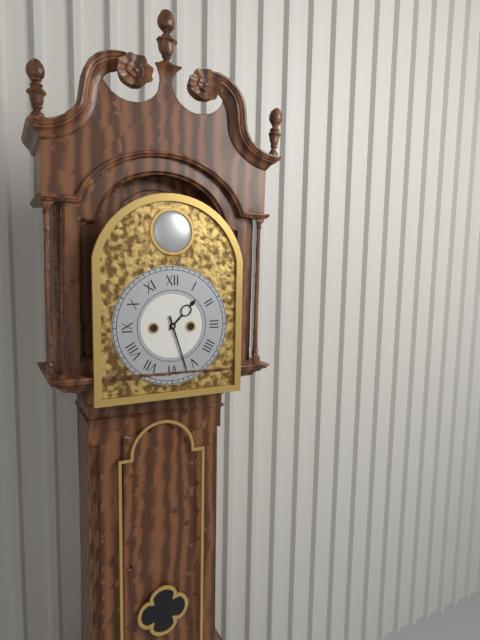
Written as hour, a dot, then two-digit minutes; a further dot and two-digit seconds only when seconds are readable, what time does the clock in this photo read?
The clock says 1.27
